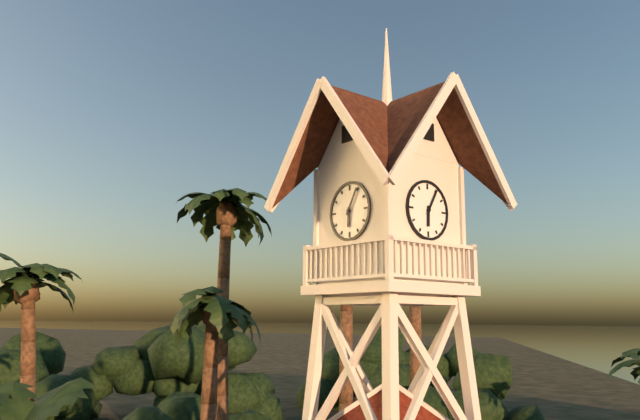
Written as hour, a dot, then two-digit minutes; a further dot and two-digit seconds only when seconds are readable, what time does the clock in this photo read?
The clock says 6.05
